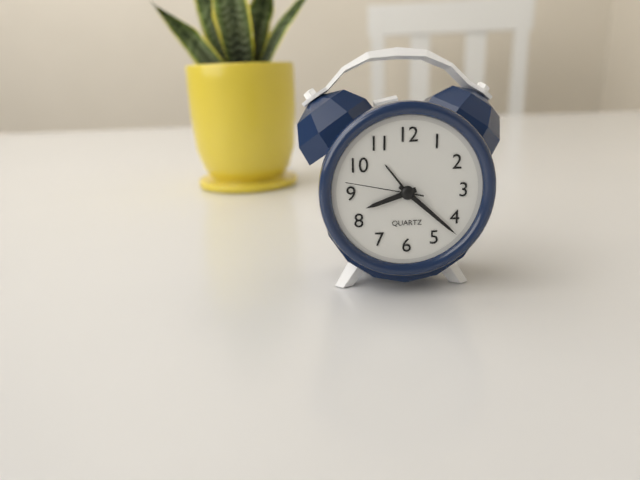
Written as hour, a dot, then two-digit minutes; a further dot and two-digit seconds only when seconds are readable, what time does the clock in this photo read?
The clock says 8.22.47
